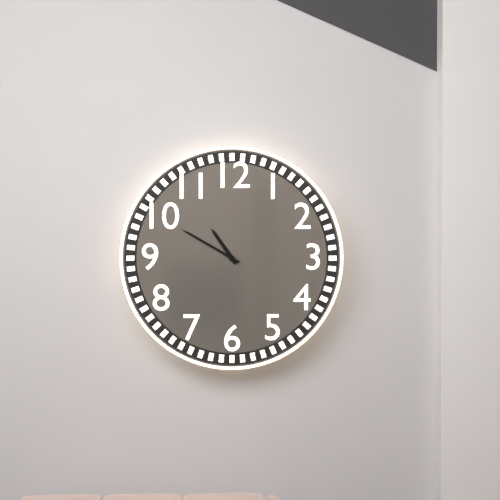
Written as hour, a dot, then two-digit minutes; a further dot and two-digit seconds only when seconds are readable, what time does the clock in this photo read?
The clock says 10.50
